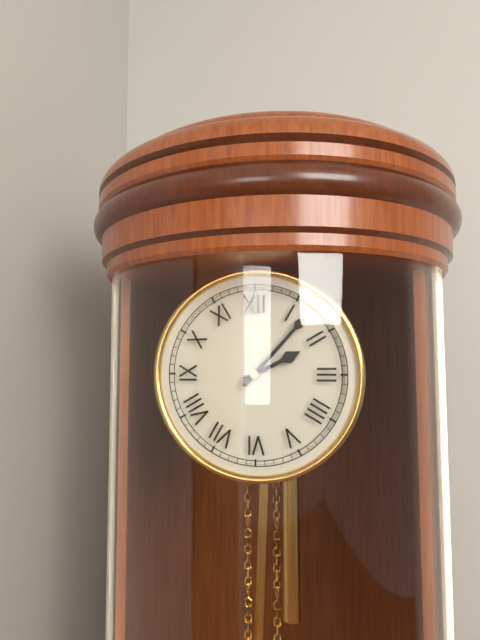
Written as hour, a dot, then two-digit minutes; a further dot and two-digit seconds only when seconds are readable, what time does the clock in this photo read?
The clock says 2.07
